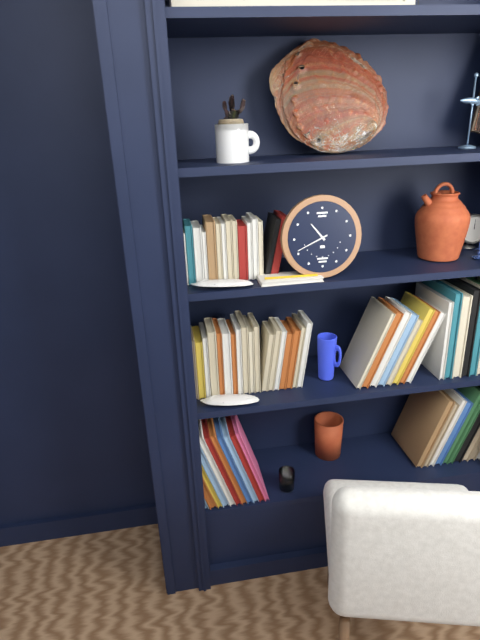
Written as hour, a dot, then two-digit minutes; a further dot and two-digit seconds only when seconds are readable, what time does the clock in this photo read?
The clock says 10.41
